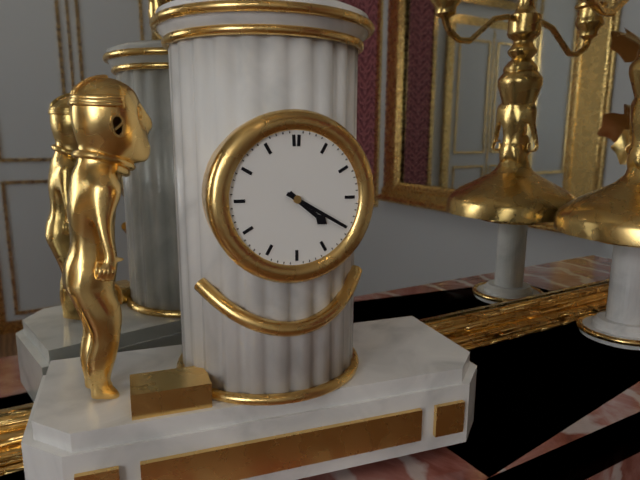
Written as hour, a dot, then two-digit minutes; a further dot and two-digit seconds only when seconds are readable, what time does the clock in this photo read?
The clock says 4.20
